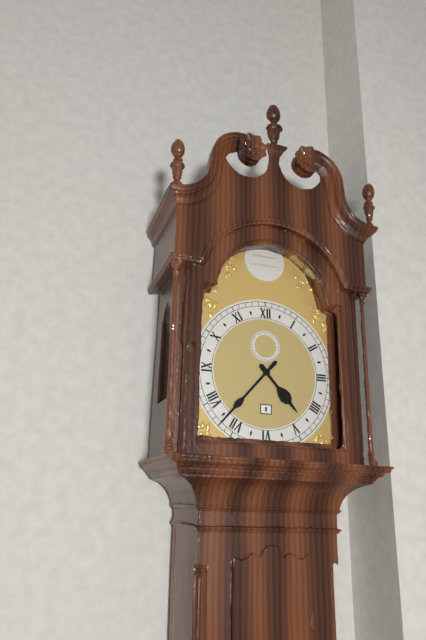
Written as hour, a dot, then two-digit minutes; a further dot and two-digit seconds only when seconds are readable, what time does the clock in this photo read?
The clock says 4.37
